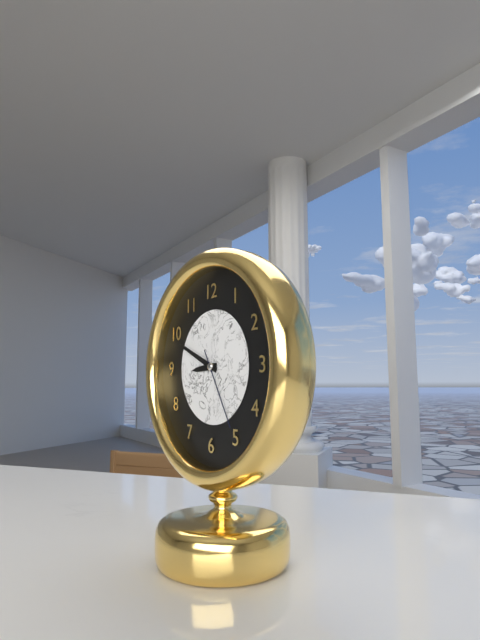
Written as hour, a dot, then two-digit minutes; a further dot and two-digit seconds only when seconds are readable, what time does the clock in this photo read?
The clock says 8.49.25
